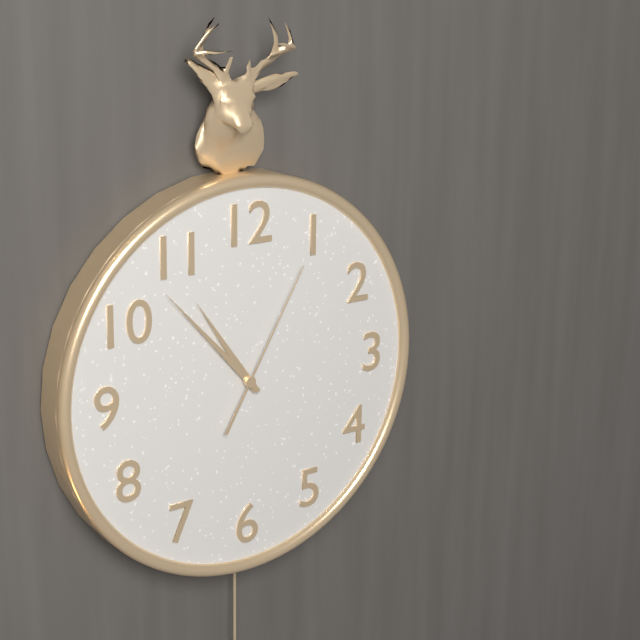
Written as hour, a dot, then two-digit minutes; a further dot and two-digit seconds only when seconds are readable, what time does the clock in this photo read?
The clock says 10.53.05
